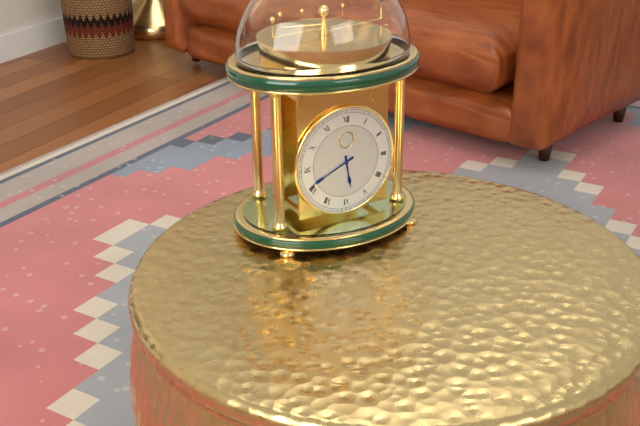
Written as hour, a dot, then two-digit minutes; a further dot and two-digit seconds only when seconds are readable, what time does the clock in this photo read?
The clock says 5.41
